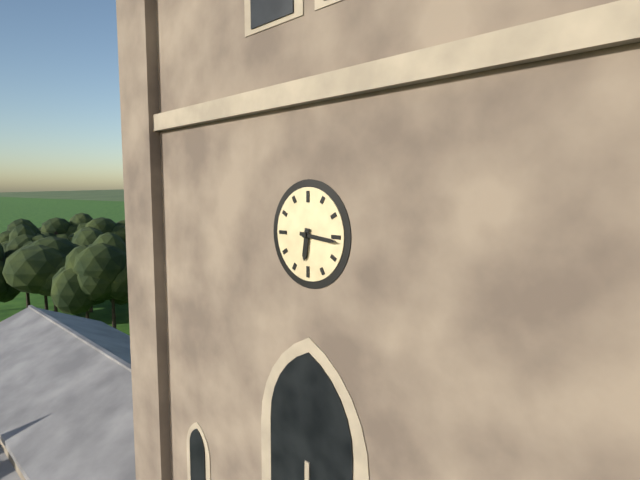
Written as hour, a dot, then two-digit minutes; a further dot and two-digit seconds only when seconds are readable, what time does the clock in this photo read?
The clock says 6.16
